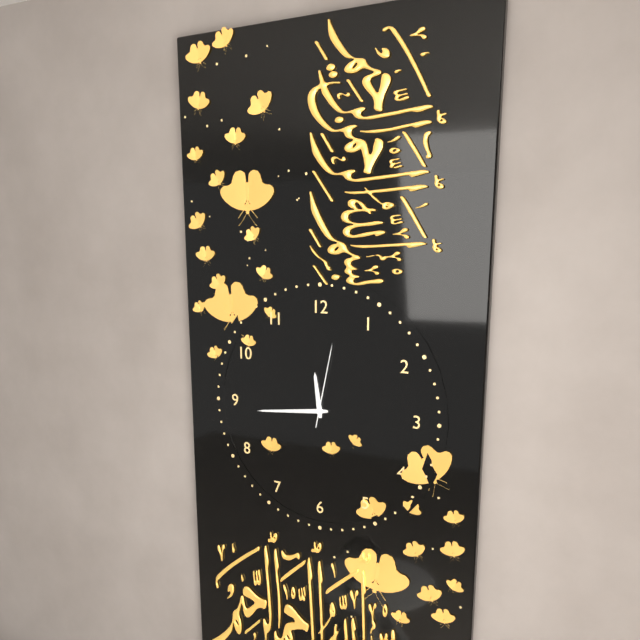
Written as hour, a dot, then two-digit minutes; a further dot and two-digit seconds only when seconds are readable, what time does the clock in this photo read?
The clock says 11.44.02
